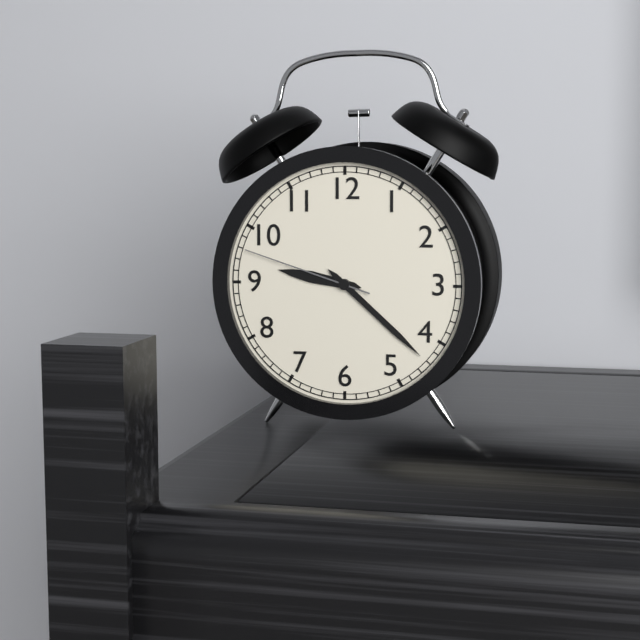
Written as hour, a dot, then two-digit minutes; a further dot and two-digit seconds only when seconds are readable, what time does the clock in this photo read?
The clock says 9.22.48
